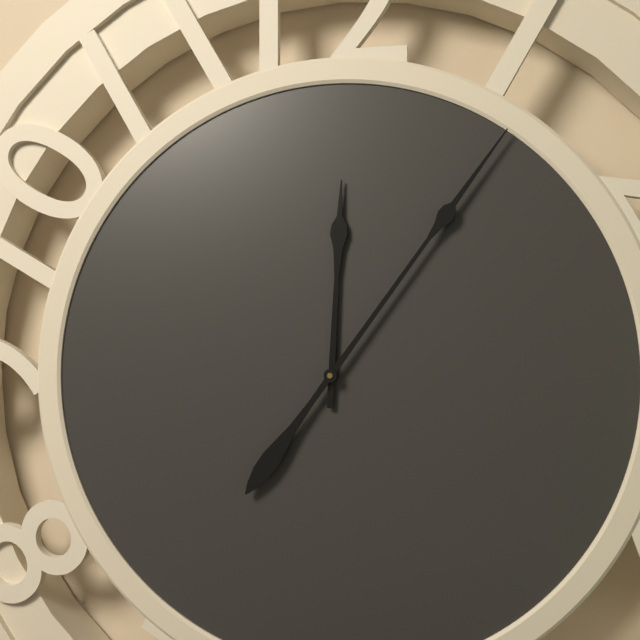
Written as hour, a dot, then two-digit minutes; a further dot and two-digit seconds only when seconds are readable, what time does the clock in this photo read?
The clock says 12.06
